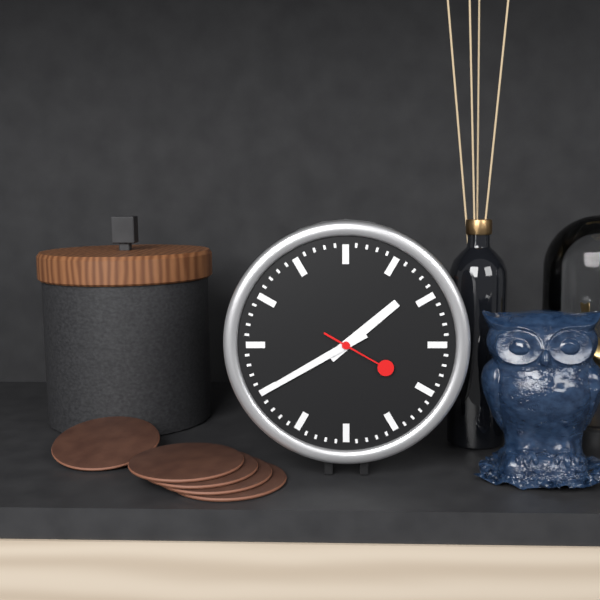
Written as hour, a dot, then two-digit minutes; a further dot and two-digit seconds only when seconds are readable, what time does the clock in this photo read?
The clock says 1.40.20
